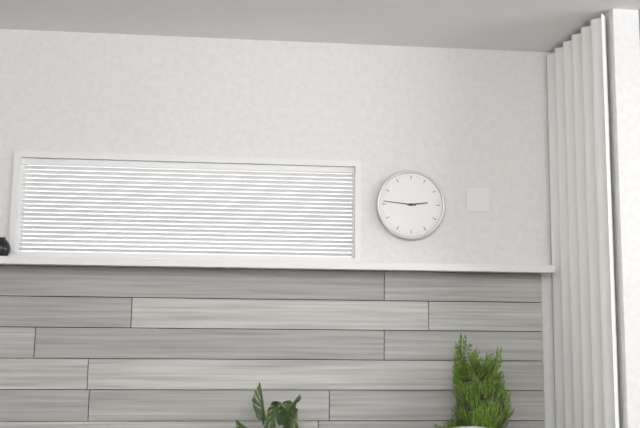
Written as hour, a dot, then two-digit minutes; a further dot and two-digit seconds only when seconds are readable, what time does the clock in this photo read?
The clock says 2.46
